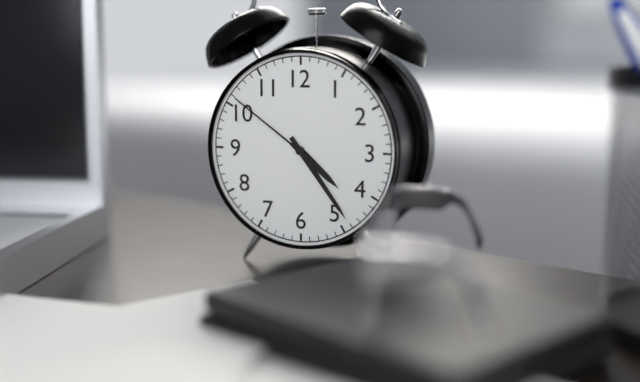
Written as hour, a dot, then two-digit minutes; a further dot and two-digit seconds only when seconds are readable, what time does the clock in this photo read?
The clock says 4.24.51
